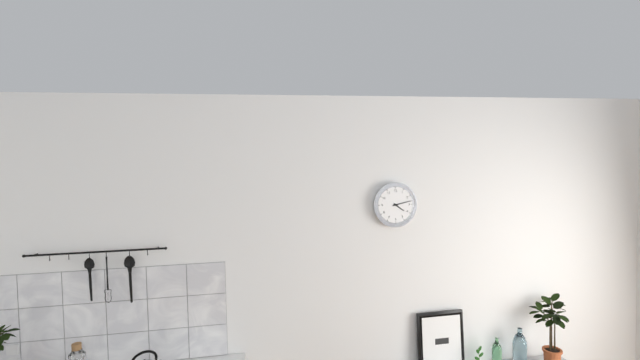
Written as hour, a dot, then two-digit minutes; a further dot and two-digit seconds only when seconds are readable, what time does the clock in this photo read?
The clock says 4.13
